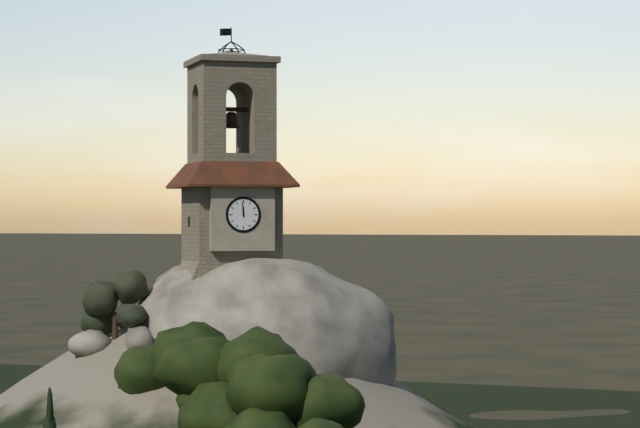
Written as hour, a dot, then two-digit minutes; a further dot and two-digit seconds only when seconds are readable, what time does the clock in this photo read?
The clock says 11.59
